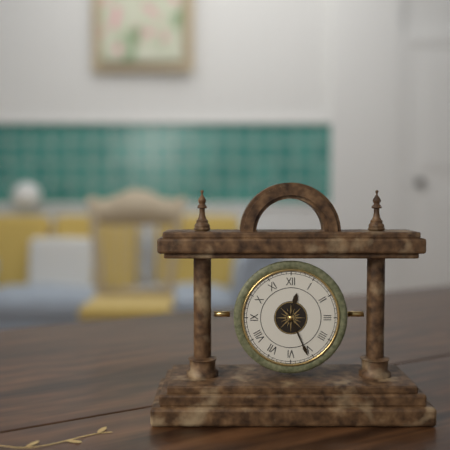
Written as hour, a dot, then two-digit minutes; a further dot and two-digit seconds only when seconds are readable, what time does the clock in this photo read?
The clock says 12.26
